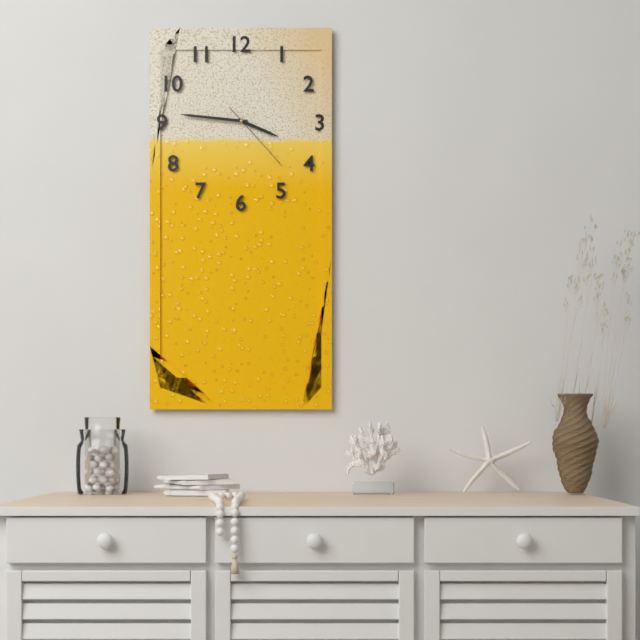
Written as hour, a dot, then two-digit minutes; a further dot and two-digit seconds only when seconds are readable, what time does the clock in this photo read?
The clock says 3.46.23
